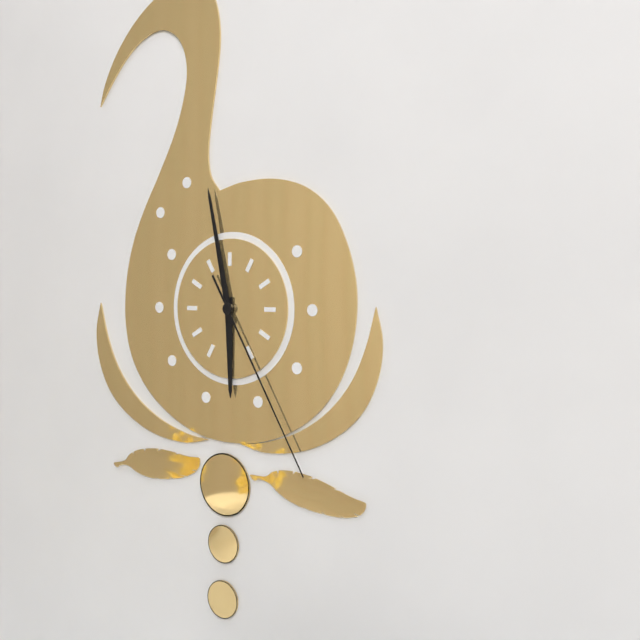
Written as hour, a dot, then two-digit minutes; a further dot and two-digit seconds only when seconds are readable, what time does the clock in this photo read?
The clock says 5.58.25
